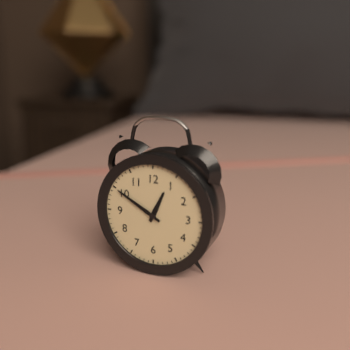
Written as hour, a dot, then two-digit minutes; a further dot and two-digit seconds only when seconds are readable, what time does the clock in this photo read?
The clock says 12.50
